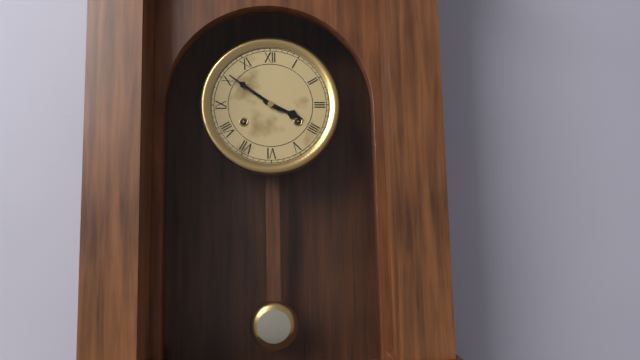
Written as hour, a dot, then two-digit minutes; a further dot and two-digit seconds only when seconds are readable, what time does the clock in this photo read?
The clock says 3.51
